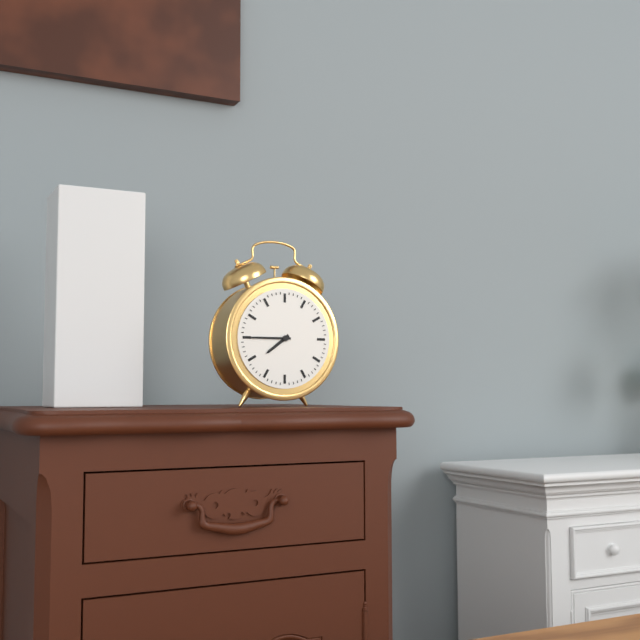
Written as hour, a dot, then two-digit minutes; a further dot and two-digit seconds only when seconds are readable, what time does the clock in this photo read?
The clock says 7.45
